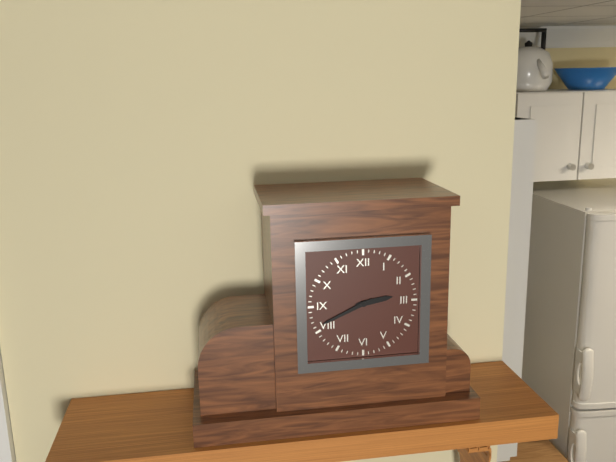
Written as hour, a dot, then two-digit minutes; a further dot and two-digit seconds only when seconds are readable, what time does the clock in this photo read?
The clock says 2.41
